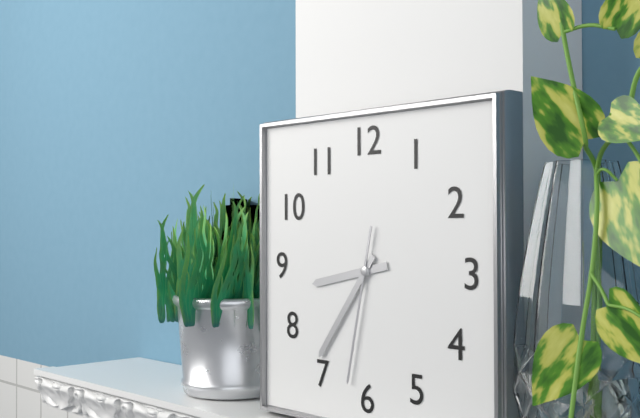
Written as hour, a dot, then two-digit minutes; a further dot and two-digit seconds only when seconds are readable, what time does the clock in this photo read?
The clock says 8.36.32
